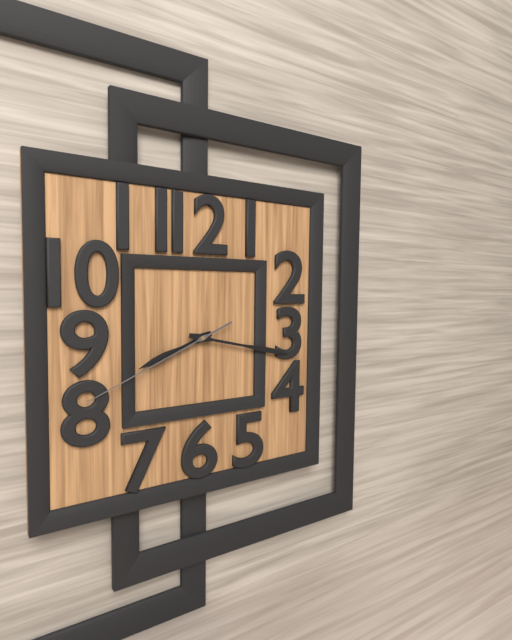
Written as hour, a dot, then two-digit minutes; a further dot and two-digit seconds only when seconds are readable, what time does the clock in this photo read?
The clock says 8.17.41
